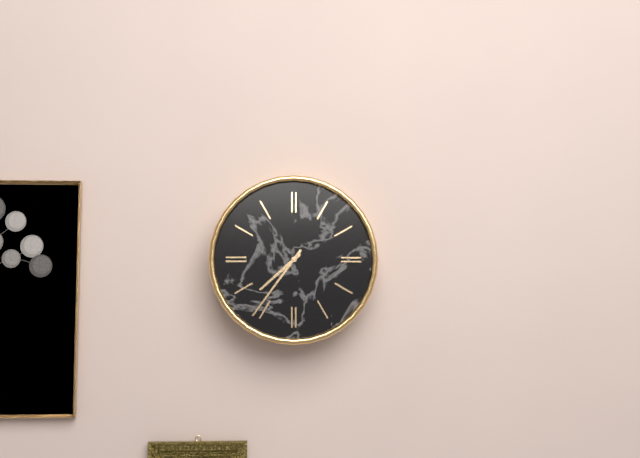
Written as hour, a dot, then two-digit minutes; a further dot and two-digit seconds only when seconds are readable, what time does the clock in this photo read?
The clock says 7.36
